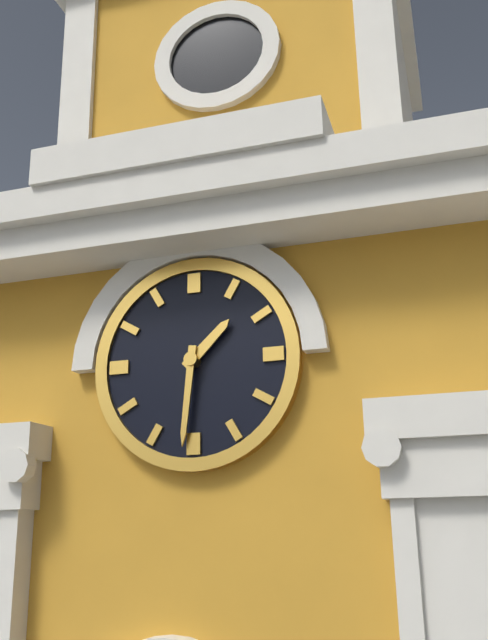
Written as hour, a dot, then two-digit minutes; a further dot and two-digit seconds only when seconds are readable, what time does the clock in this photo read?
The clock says 1.31
